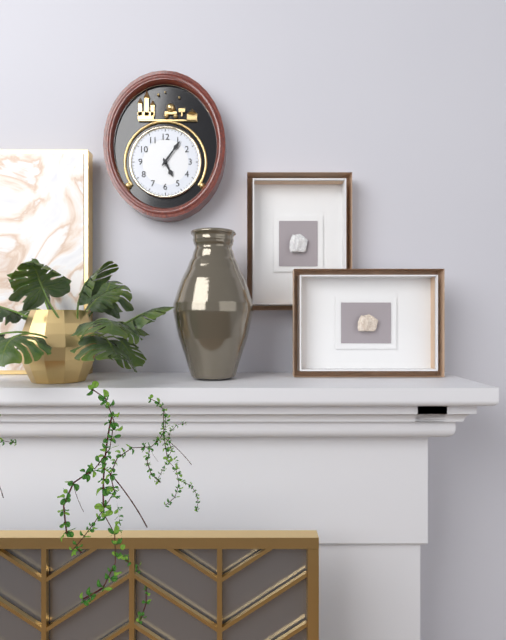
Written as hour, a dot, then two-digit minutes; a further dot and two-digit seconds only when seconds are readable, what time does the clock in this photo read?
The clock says 5.06
